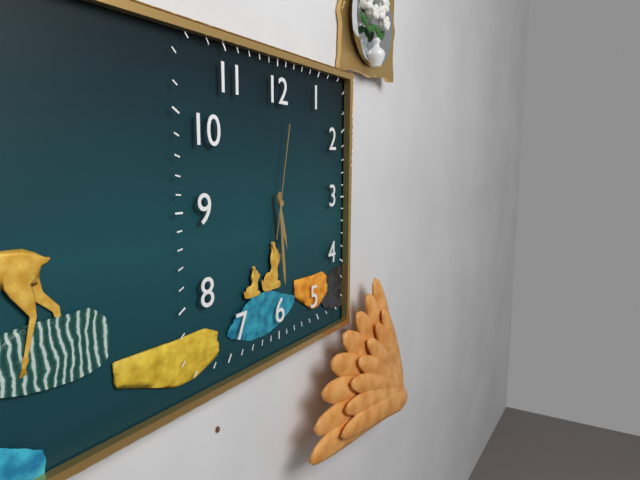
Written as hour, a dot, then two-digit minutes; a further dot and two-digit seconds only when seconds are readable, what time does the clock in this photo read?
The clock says 5.29.02
